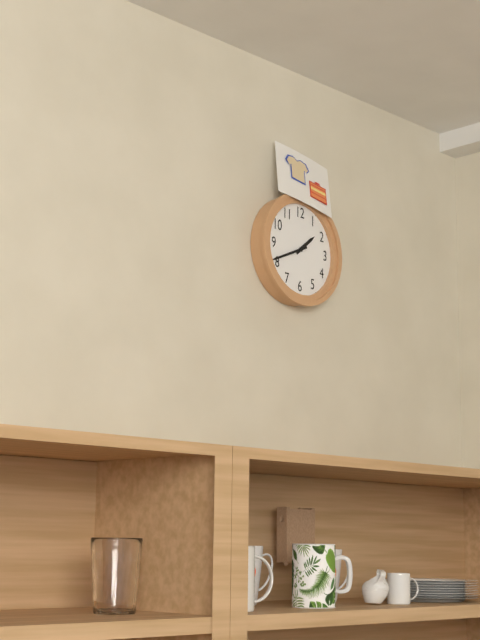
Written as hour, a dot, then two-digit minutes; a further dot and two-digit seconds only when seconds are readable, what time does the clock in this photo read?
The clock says 1.41
